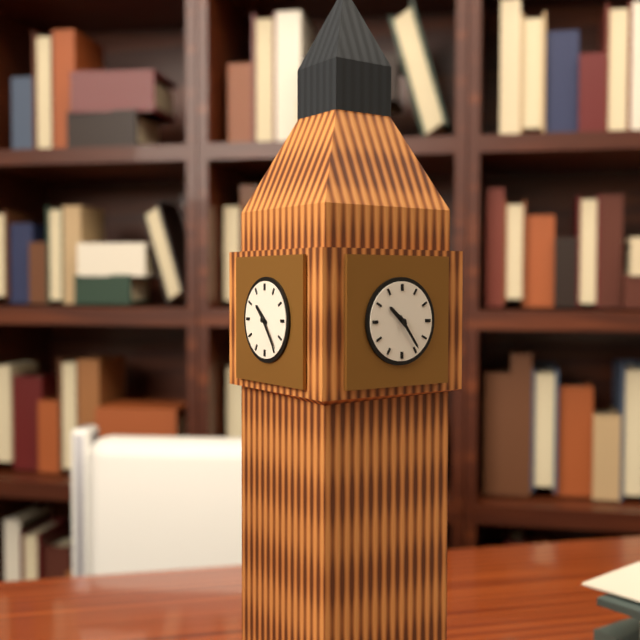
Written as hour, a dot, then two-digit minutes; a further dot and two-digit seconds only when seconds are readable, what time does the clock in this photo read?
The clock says 10.24
